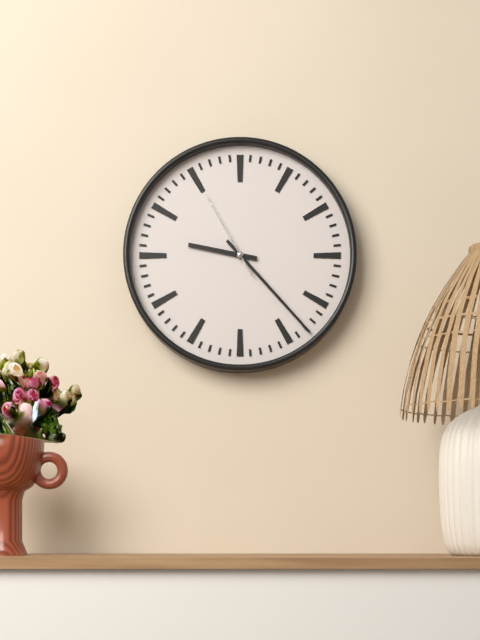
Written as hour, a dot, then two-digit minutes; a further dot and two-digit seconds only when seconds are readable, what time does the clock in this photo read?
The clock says 9.23.55
